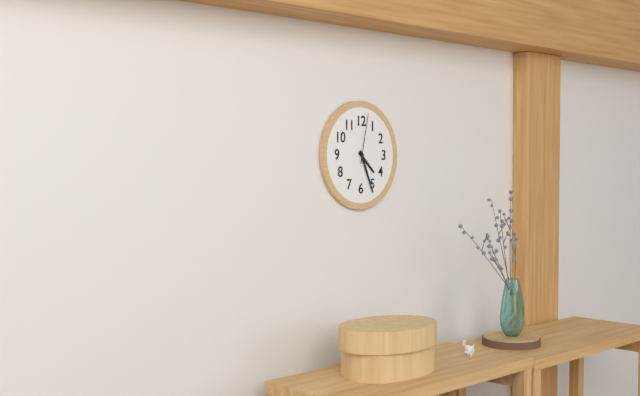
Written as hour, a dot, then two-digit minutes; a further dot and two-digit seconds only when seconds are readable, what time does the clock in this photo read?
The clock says 4.26.02
